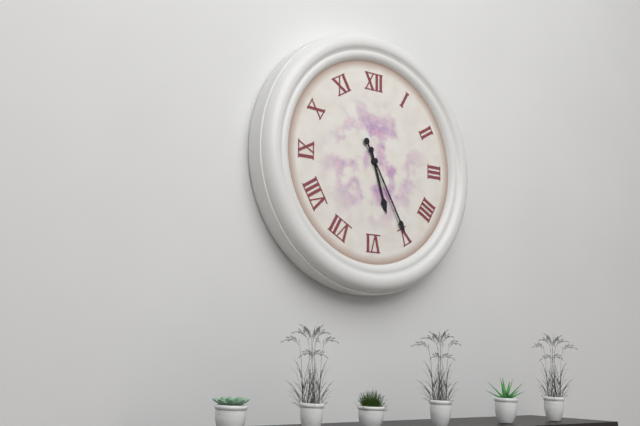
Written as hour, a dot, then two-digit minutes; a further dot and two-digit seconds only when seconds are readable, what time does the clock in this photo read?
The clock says 5.25
